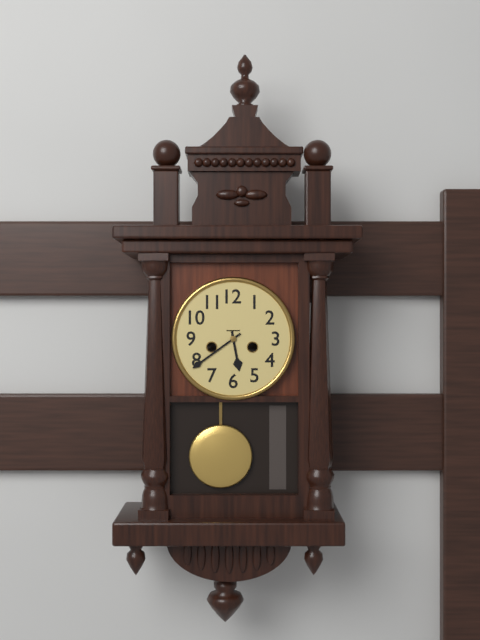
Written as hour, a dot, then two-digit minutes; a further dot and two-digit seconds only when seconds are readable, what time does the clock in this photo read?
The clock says 5.39
